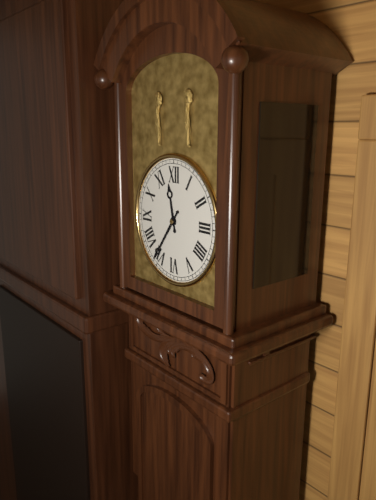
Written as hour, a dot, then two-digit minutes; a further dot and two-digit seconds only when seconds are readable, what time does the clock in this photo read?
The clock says 11.36
